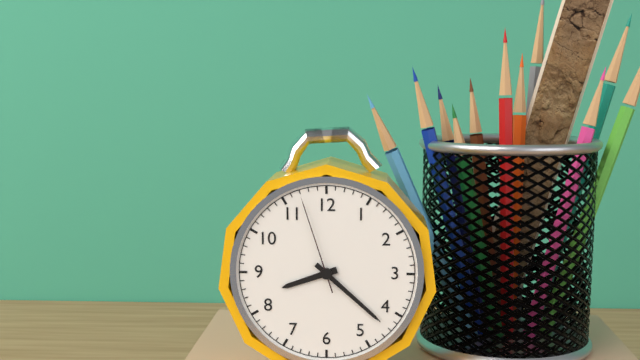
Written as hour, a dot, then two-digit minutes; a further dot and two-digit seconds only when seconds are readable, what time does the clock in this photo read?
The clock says 8.22.57
